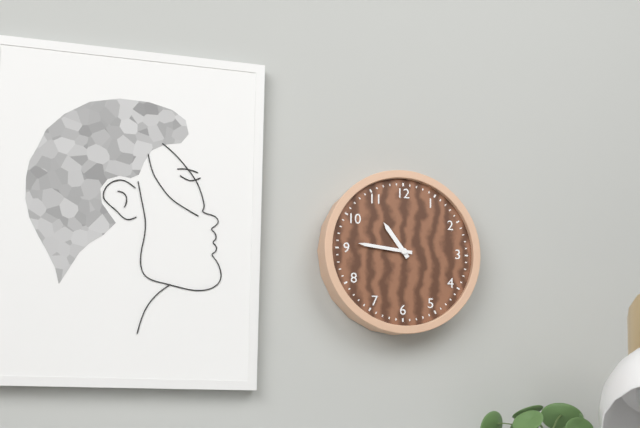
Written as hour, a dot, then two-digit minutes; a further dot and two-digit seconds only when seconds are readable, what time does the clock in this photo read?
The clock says 10.46
